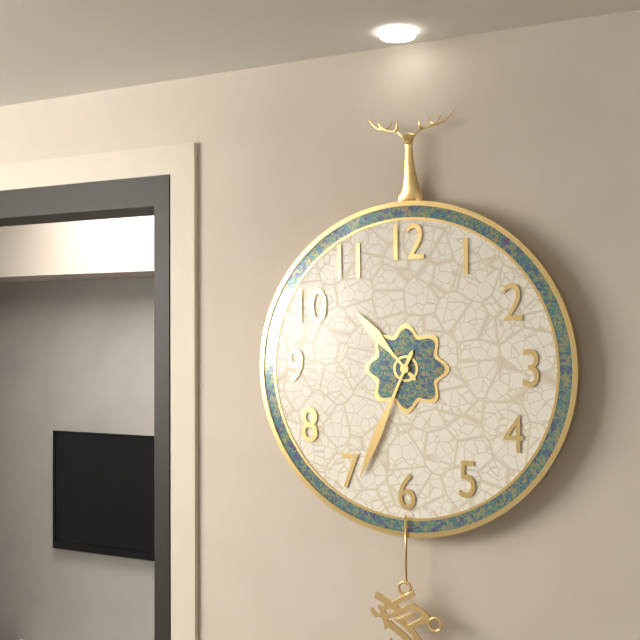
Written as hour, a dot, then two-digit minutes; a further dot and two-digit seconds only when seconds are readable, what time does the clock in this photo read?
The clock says 10.34
